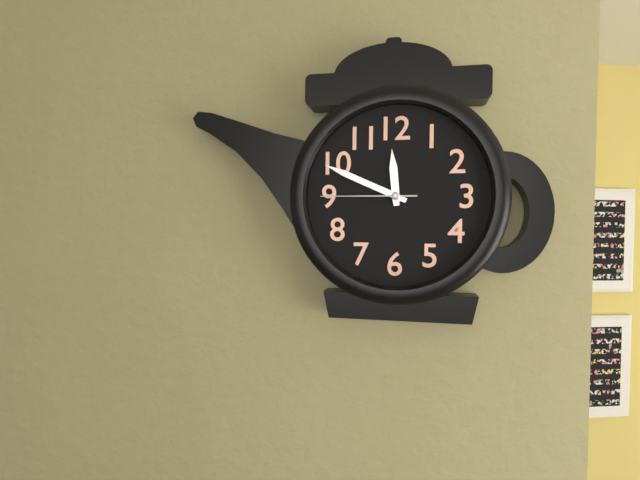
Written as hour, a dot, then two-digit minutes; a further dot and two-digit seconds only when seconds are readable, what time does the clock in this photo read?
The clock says 11.49.45
